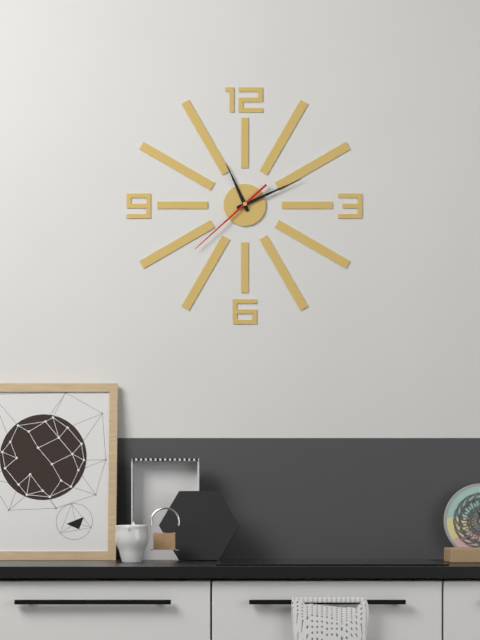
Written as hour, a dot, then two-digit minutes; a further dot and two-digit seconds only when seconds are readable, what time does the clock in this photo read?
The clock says 11.11.38
